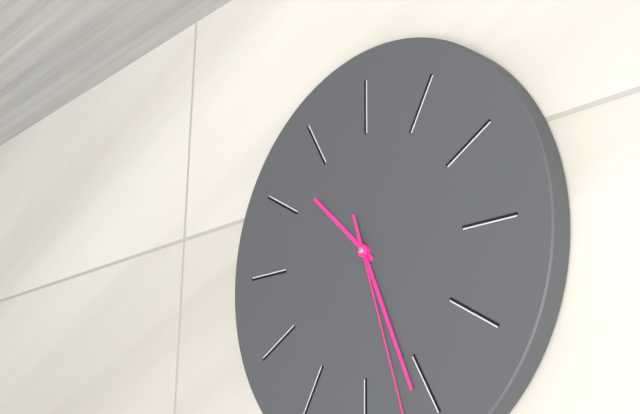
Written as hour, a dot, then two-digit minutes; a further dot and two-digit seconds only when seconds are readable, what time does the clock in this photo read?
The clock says 10.26
